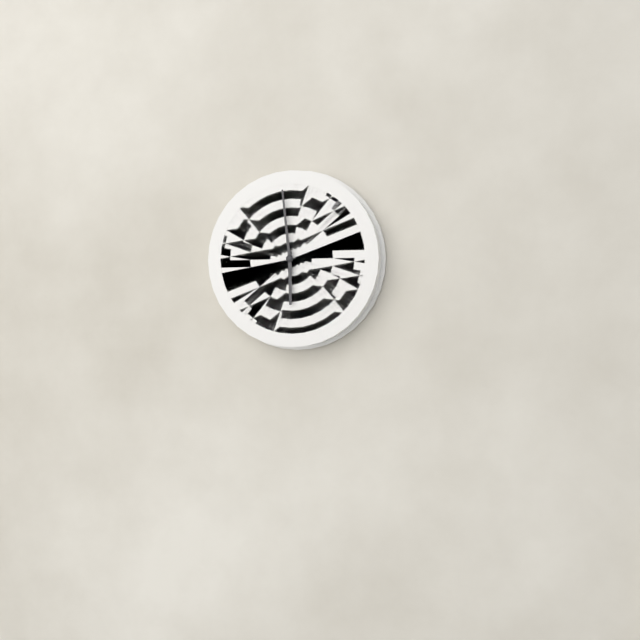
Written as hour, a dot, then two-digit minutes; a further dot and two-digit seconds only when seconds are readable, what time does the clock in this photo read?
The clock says 5.59
